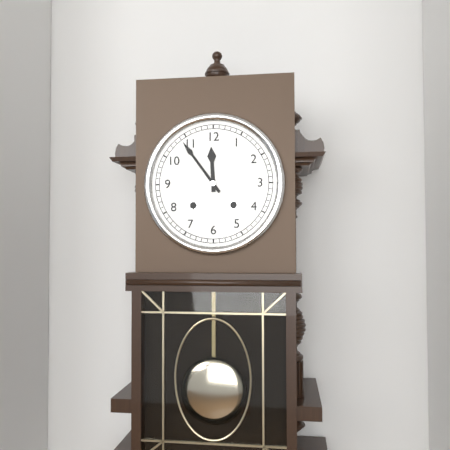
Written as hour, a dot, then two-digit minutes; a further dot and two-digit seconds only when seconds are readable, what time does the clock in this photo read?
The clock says 11.54
